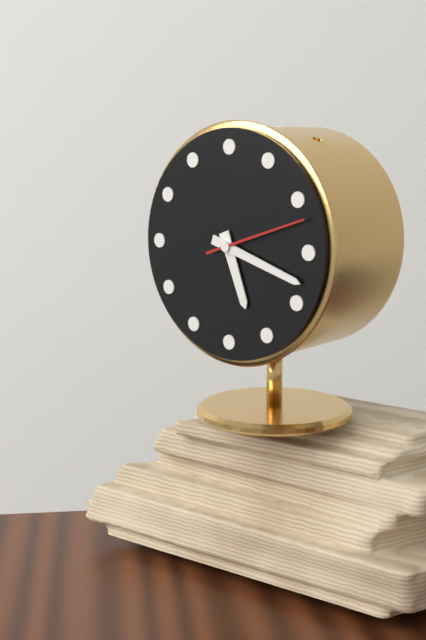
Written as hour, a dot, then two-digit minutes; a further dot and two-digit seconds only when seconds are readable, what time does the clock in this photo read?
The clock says 5.18.12
